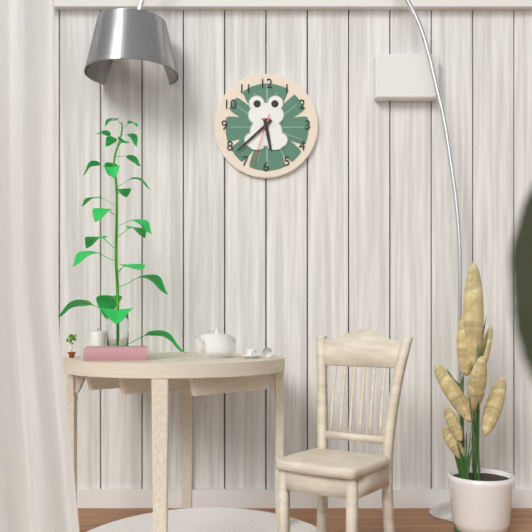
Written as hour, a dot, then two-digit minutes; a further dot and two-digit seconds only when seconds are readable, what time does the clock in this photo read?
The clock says 5.38.33
